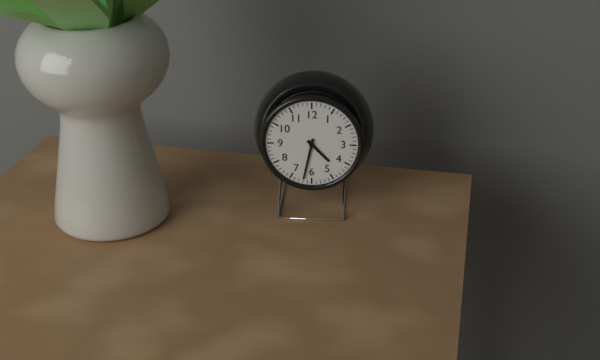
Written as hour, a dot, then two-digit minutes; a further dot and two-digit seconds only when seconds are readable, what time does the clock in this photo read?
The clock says 4.32
